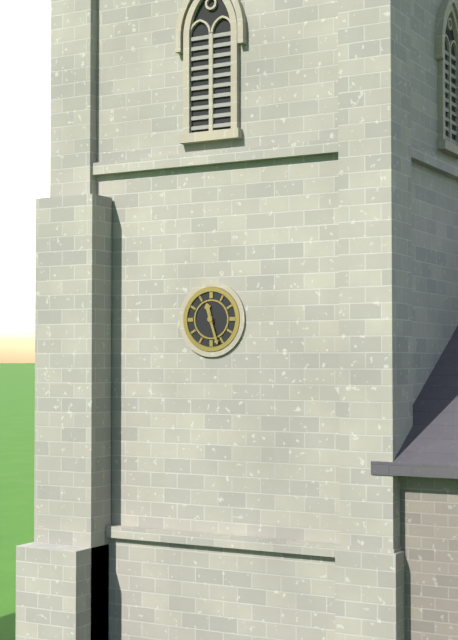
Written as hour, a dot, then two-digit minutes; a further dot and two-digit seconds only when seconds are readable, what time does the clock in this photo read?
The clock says 11.27
